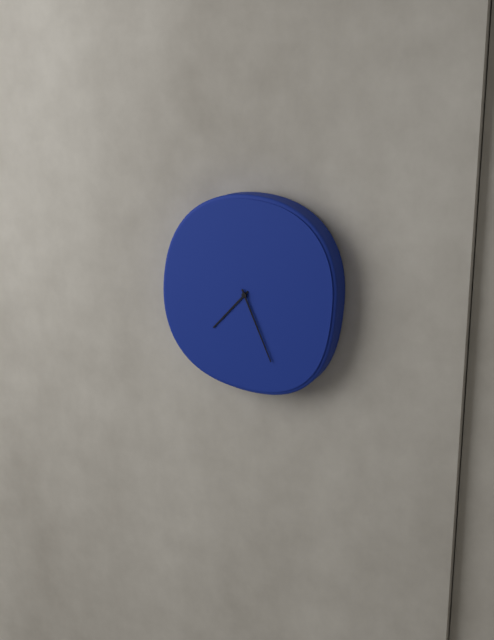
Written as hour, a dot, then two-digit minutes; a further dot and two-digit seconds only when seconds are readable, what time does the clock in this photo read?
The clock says 7.26
